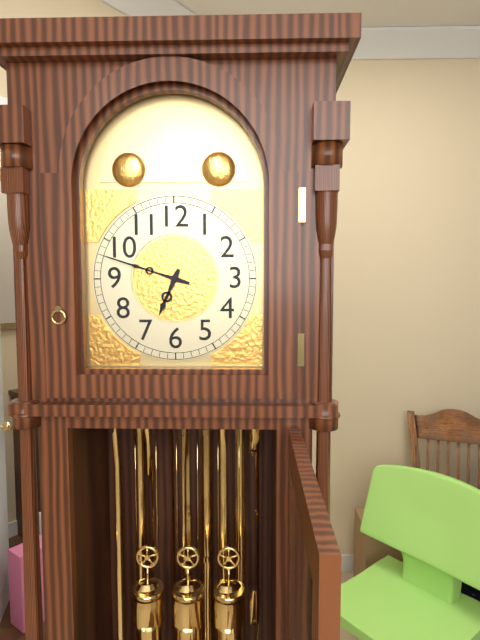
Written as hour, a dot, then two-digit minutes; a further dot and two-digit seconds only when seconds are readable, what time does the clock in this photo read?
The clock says 6.48
